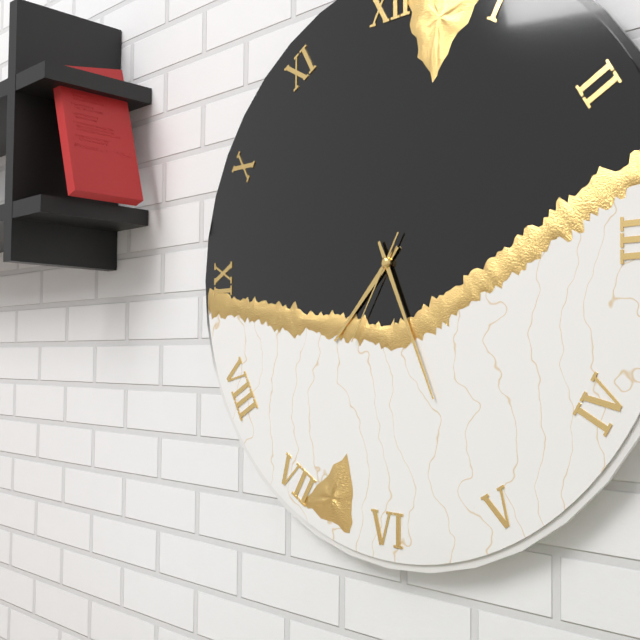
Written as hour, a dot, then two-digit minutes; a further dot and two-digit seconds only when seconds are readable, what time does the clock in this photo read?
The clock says 7.26.35
